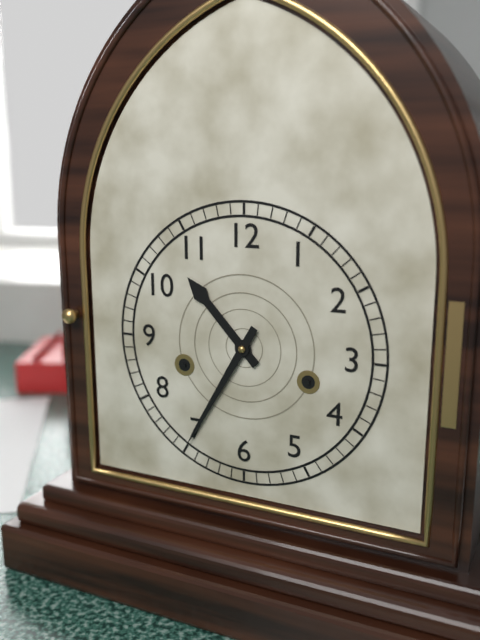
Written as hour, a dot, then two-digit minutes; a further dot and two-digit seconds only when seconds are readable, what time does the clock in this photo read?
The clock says 10.35
